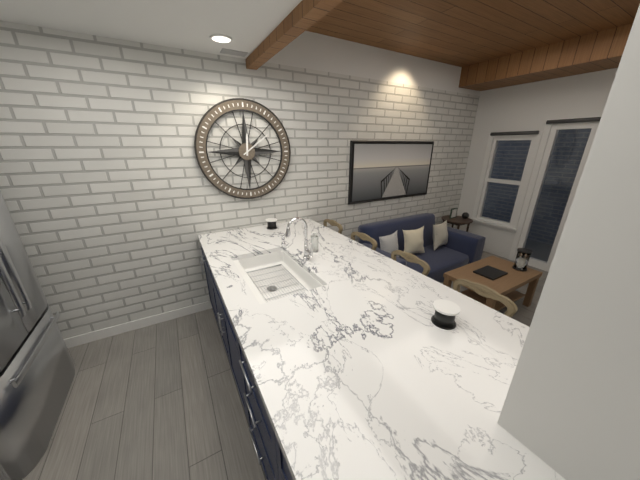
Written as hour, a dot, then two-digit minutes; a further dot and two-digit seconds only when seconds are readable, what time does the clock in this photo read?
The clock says 12.09
